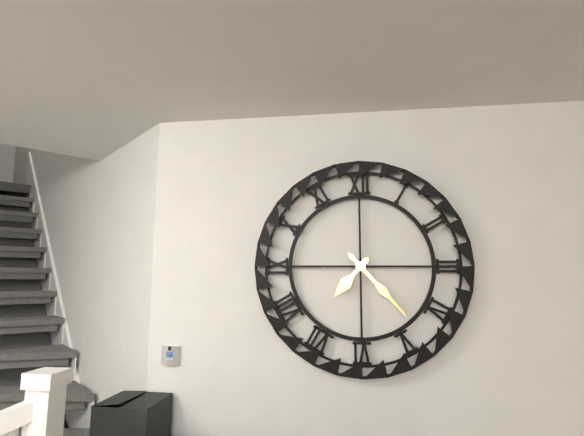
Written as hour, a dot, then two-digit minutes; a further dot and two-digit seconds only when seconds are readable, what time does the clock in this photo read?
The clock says 7.23
